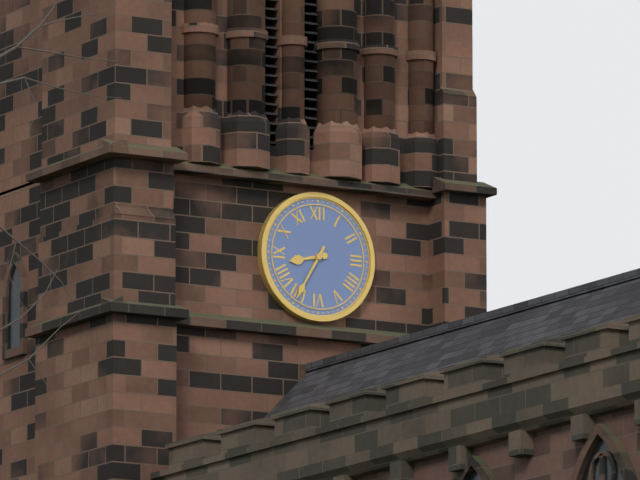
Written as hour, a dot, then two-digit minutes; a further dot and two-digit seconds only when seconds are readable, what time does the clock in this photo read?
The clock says 8.35
